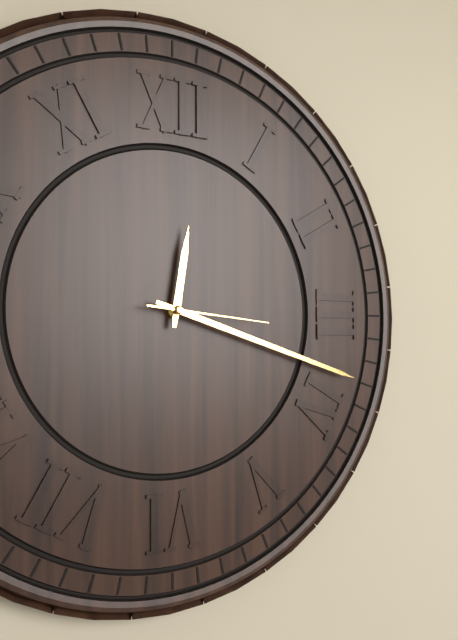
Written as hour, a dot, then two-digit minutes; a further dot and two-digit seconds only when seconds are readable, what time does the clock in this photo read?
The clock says 12.18.16
